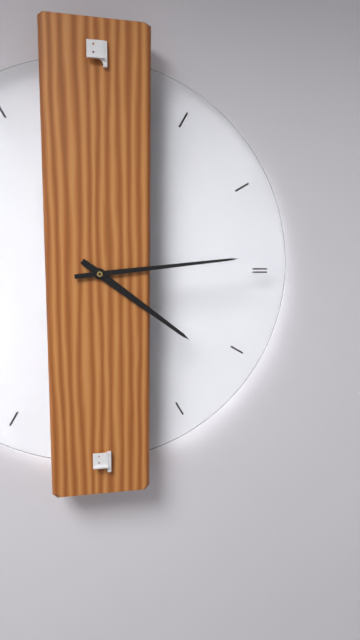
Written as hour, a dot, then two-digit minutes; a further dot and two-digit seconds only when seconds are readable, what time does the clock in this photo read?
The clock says 4.14
